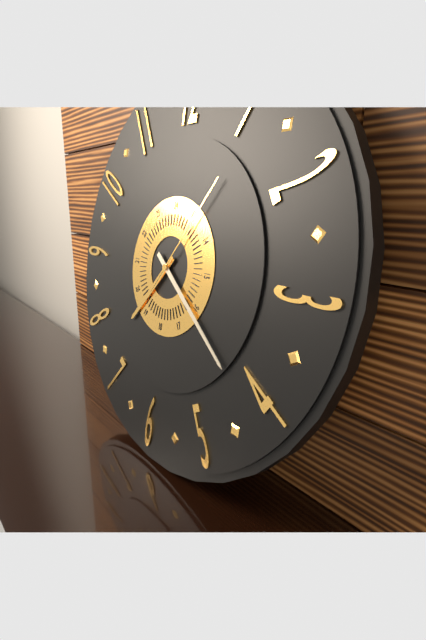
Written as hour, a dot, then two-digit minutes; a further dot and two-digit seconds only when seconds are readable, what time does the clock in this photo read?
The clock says 7.21.06
